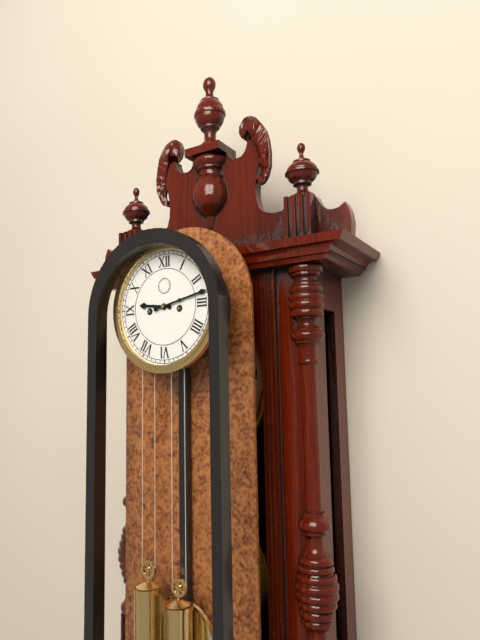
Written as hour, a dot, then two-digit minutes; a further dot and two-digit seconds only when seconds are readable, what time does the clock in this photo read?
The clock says 9.13
